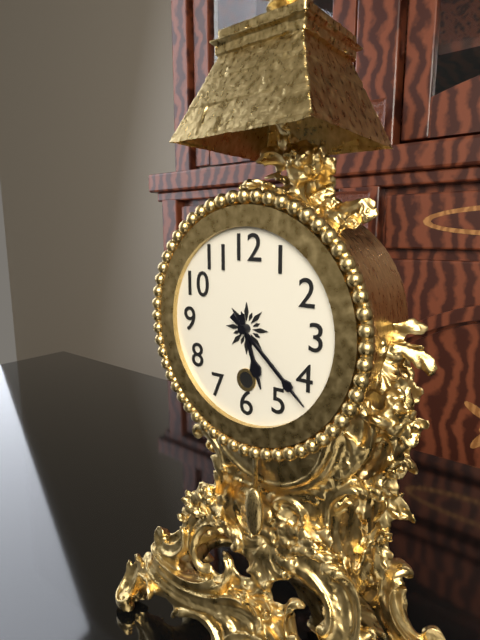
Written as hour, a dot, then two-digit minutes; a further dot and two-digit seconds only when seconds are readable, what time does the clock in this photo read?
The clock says 5.22
